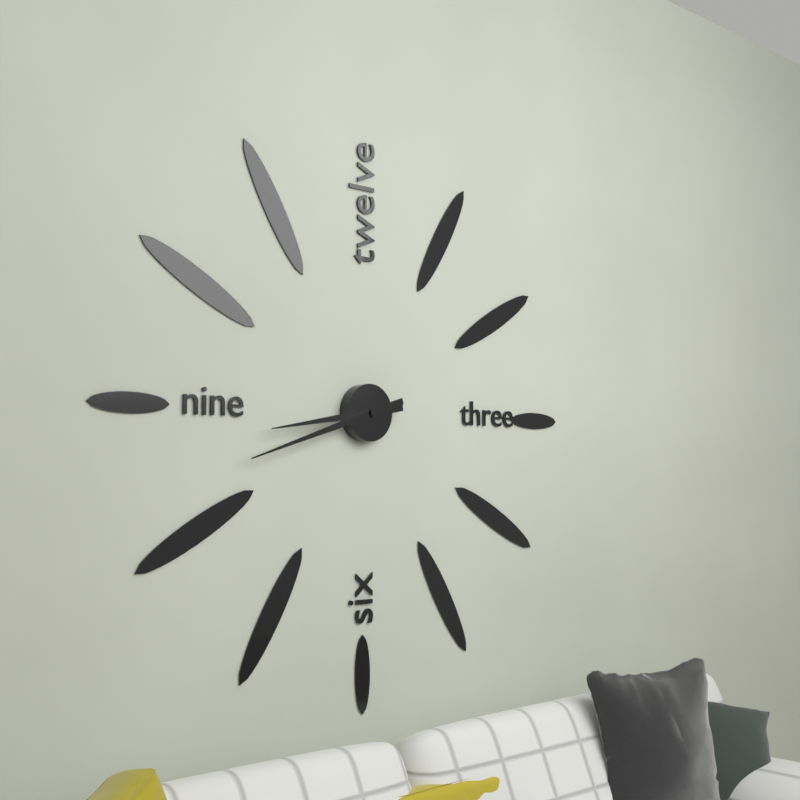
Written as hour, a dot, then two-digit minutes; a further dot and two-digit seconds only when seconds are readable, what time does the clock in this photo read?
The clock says 8.42
